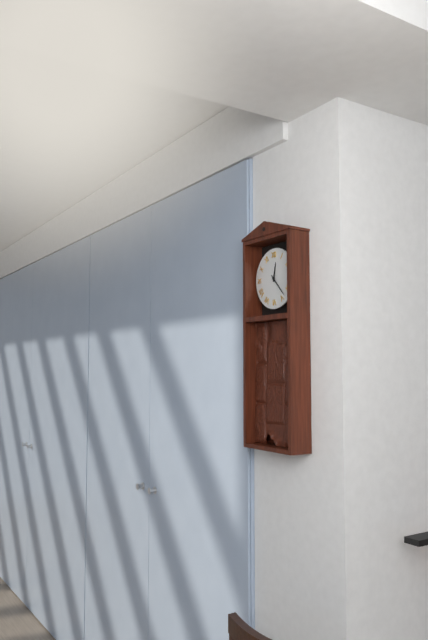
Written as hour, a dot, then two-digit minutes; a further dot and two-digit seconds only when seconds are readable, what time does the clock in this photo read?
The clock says 12.23
